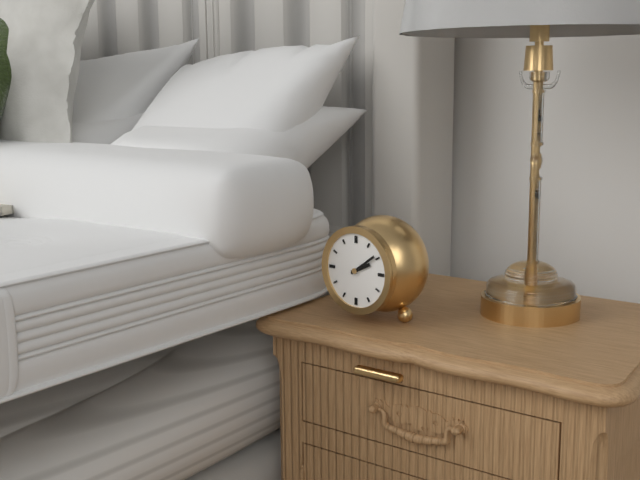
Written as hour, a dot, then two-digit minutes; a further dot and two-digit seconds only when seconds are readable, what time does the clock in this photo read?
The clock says 2.09
